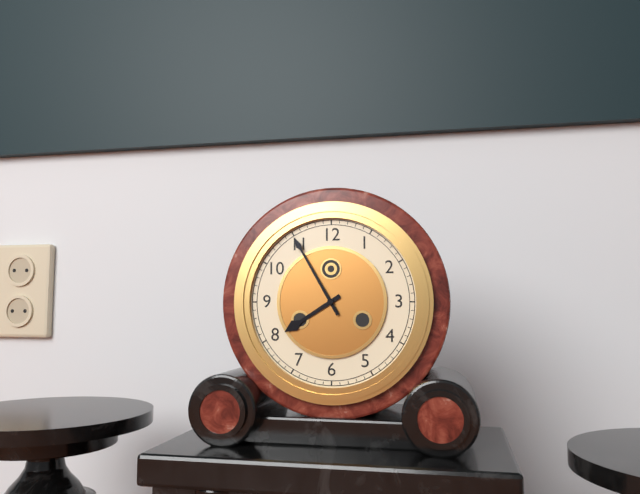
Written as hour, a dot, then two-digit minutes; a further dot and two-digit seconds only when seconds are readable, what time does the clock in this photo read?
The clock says 7.55
